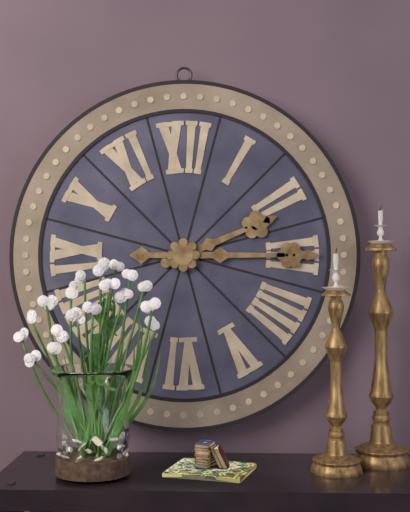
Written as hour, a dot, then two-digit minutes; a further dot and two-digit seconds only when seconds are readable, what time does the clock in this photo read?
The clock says 2.15
